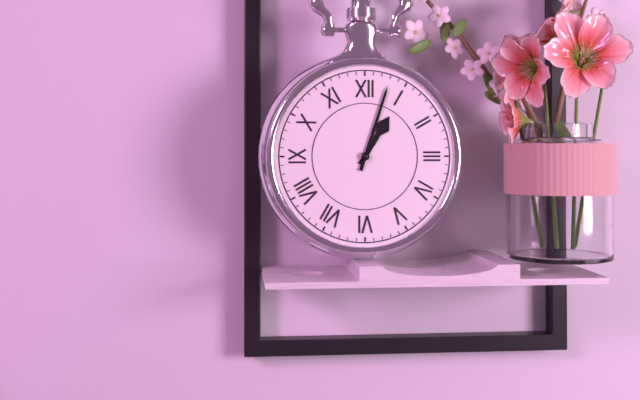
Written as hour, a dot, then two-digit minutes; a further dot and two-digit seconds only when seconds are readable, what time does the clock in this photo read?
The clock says 1.03
